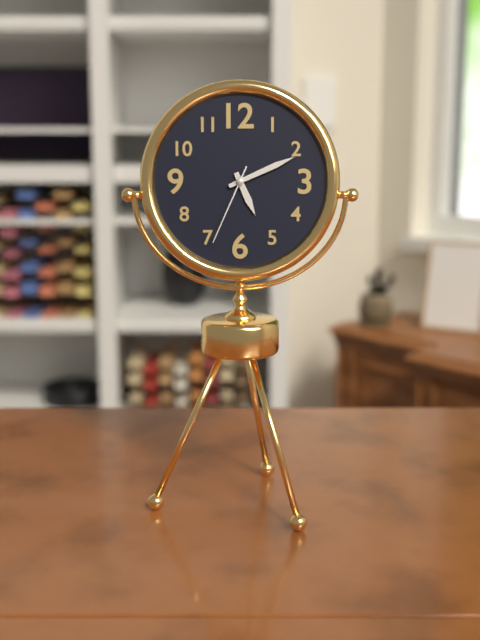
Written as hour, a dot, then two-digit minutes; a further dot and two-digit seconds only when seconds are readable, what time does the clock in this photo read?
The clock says 5.11.34
